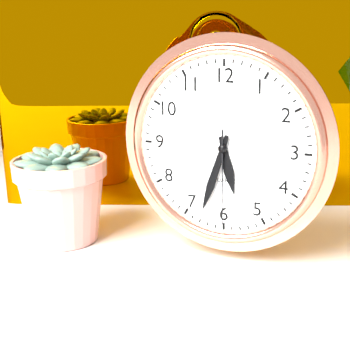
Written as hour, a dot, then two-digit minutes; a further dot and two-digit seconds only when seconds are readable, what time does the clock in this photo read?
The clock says 5.33.30
